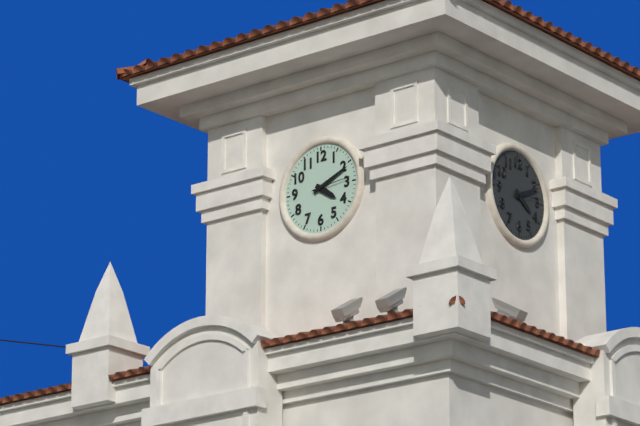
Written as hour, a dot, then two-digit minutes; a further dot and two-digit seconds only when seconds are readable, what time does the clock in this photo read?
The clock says 4.11
